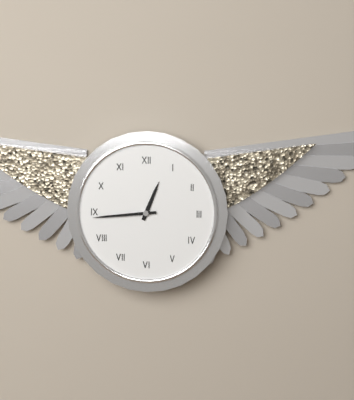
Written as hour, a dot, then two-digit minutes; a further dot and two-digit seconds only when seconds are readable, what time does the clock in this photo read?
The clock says 12.44
